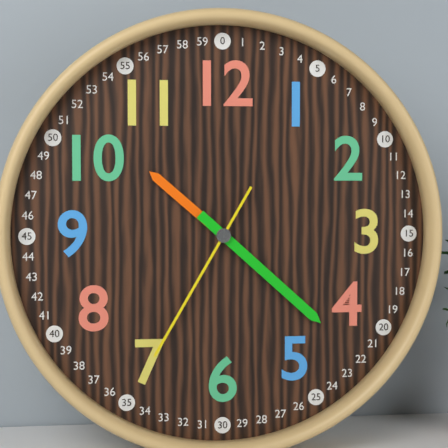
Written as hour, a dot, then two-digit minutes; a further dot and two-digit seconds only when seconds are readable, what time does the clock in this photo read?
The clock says 10.22.35
